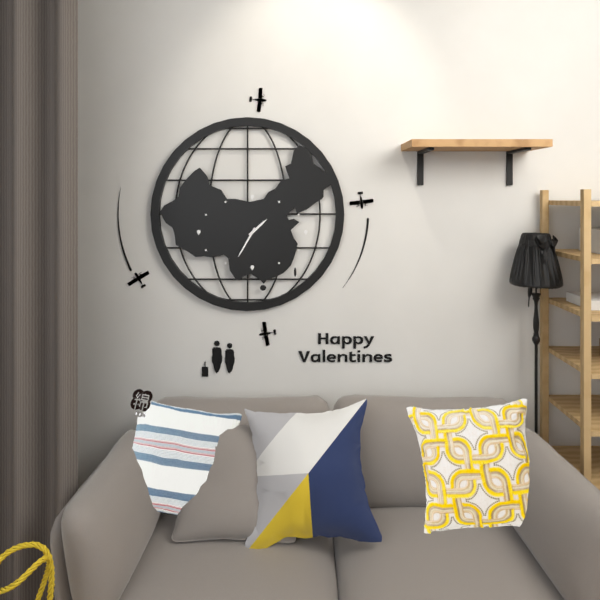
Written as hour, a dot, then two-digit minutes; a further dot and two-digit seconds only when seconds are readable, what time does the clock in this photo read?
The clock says 1.35
